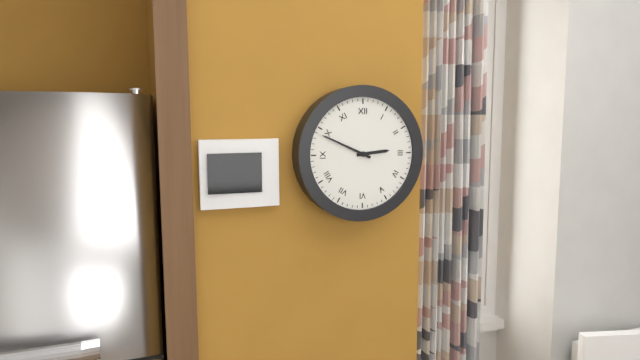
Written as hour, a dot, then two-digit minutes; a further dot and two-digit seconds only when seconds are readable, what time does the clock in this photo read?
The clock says 2.49
